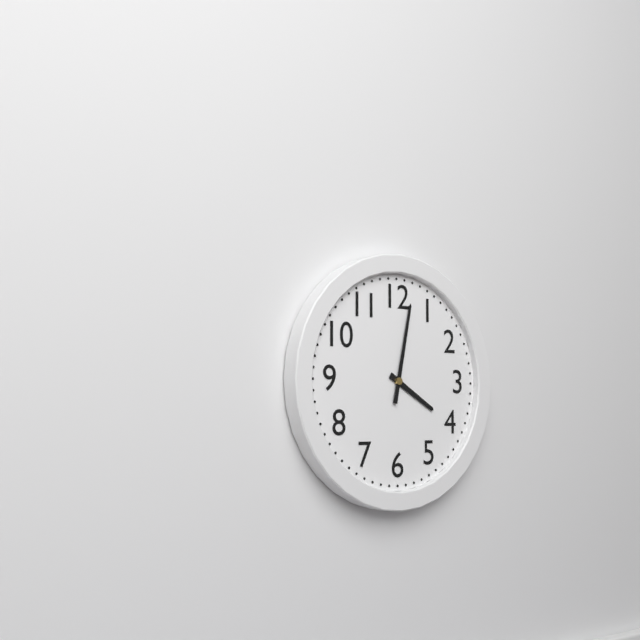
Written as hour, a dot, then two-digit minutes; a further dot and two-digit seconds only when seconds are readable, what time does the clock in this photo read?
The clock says 4.02
